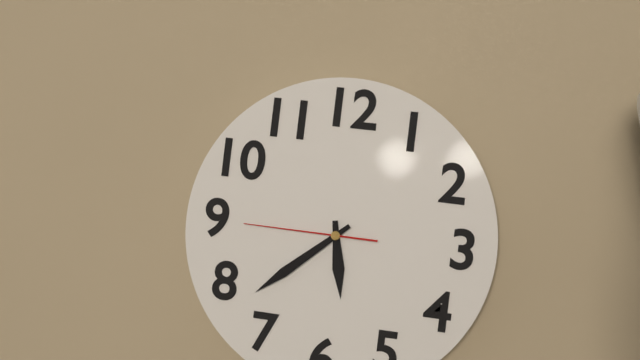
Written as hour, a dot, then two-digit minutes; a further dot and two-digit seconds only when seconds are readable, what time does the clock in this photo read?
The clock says 5.38.45
